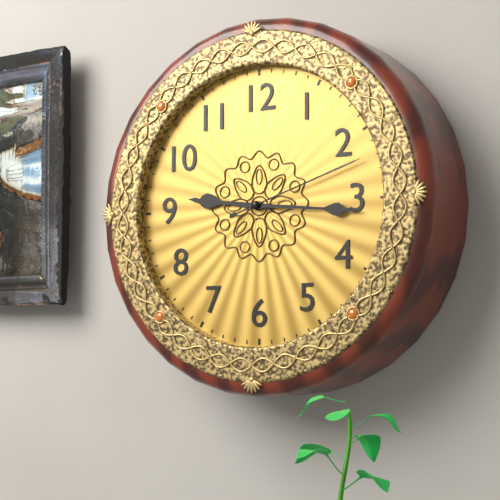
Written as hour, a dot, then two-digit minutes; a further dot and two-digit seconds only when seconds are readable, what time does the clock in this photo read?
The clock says 9.16.12
